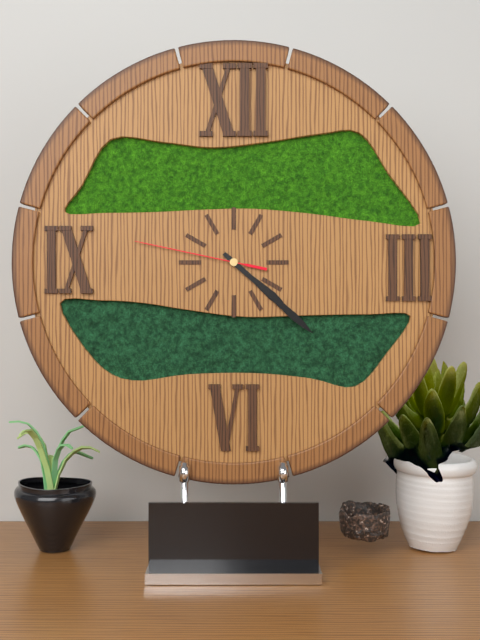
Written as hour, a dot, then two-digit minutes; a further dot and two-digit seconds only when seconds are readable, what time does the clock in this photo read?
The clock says 4.22.47
